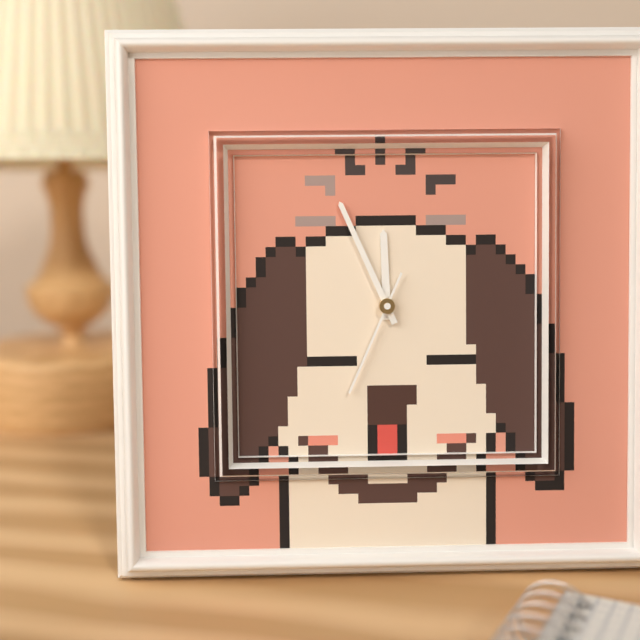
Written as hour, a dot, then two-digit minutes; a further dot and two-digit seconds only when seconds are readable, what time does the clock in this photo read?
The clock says 11.56.34
